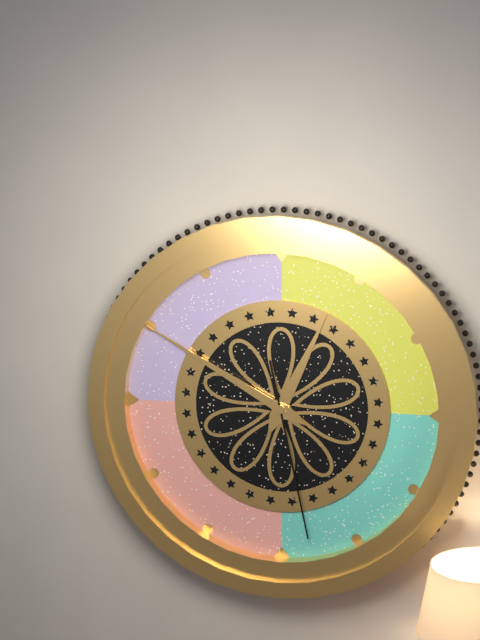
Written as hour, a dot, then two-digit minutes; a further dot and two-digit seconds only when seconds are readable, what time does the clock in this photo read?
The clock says 12.50.28
